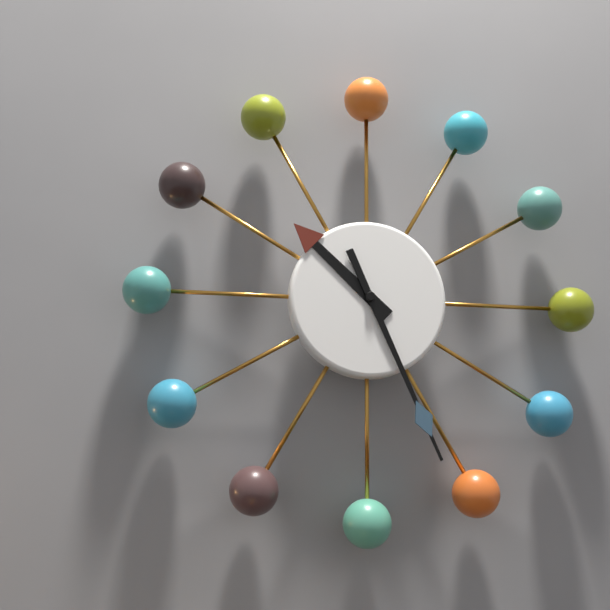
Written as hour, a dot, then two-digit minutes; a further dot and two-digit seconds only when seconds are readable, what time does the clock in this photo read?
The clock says 10.26
